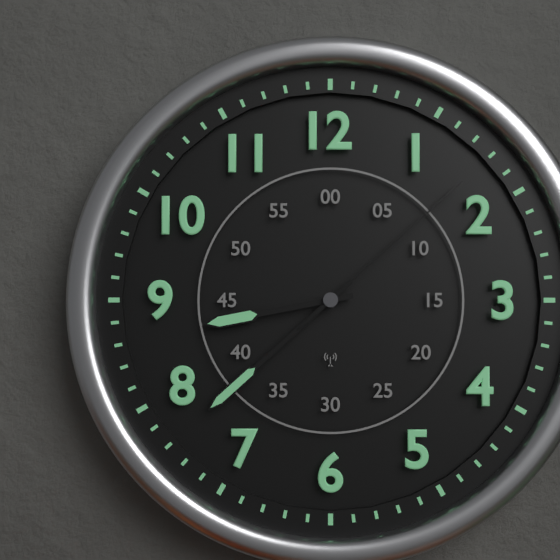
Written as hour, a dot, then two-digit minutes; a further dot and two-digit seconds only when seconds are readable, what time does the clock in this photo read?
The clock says 8.38.08
